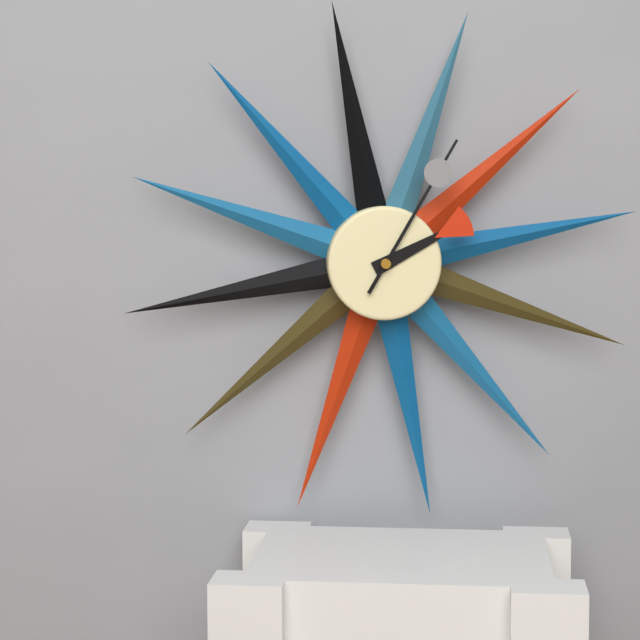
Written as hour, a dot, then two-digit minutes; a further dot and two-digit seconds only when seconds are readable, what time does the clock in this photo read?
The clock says 2.05
